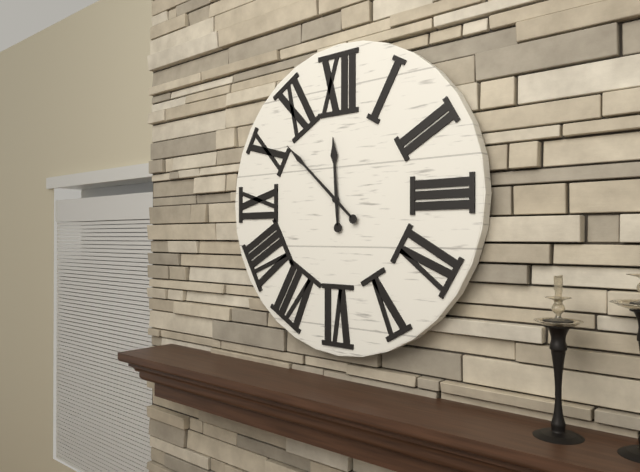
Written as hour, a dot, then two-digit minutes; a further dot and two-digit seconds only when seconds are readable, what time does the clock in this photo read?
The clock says 11.52
